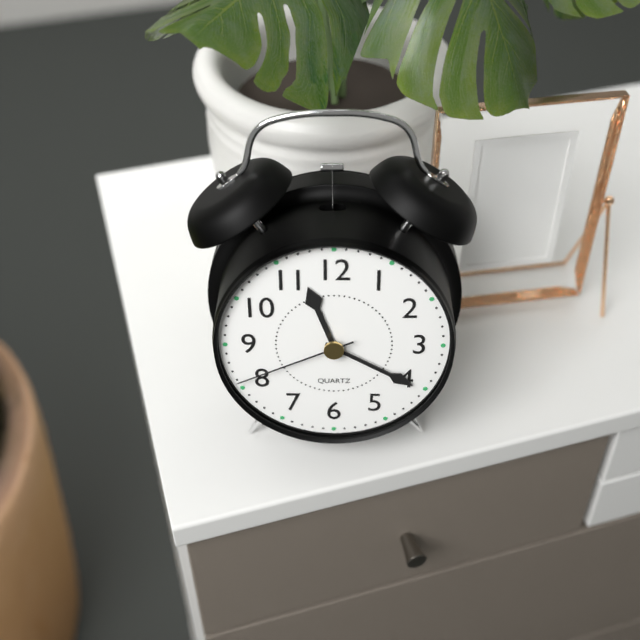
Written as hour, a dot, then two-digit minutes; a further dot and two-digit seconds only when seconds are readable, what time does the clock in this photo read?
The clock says 11.20.41
